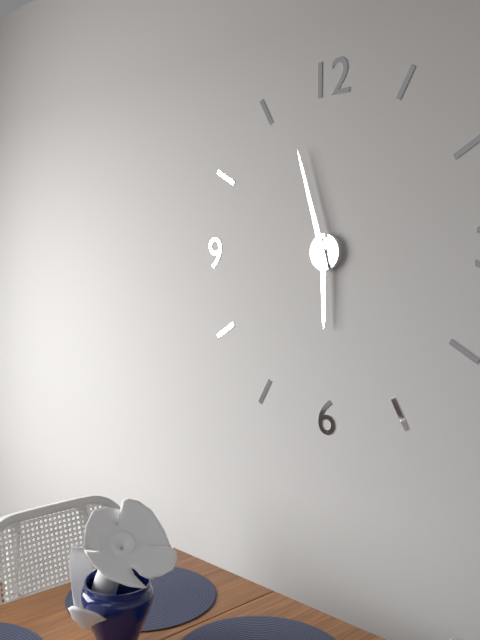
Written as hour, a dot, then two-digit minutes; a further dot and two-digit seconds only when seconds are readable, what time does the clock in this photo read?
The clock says 5.57
